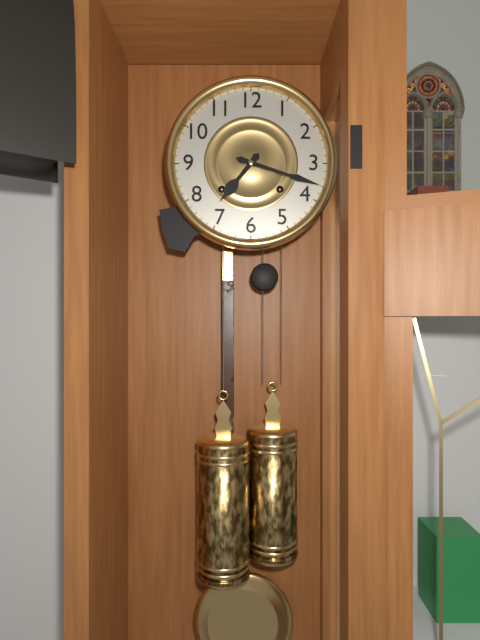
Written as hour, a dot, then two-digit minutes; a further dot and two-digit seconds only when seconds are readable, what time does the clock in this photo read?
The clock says 7.18
